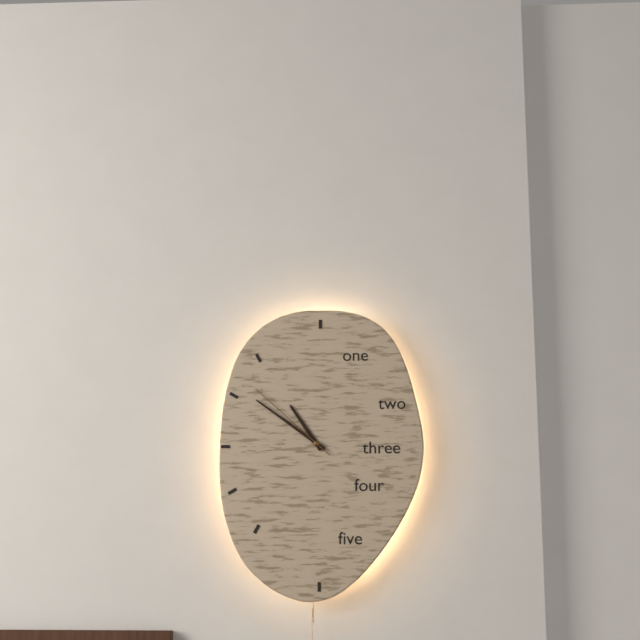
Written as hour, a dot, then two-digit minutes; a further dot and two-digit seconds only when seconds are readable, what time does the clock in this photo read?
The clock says 10.51.52
